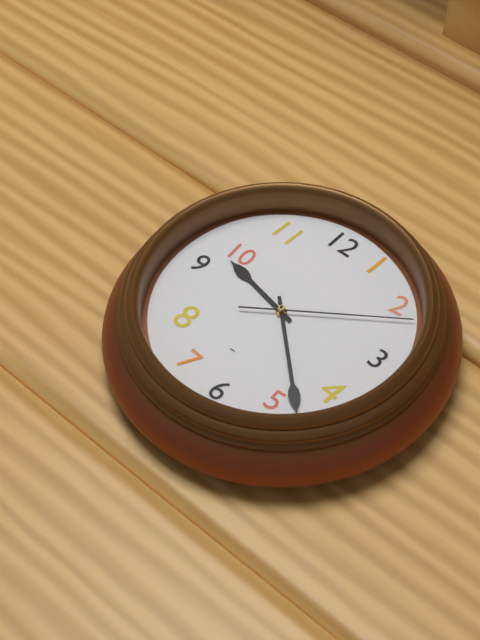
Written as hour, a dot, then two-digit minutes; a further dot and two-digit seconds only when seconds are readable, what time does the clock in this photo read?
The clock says 9.22.09
